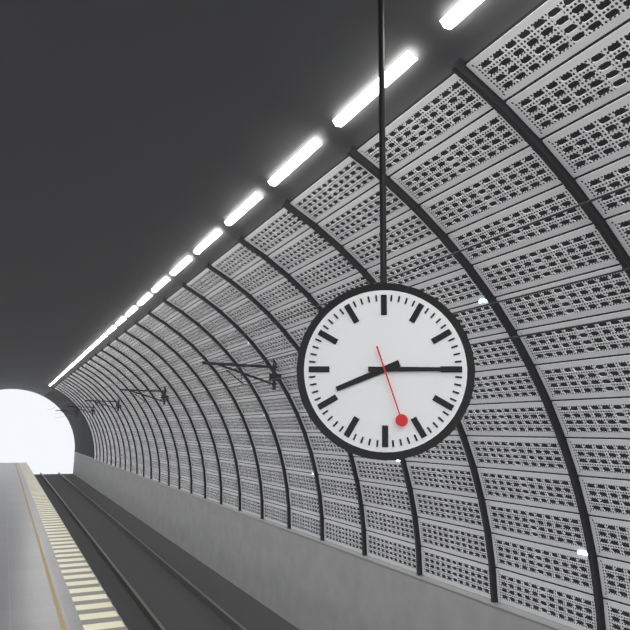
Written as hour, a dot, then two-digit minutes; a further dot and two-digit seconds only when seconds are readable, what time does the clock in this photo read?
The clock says 8.15.27
